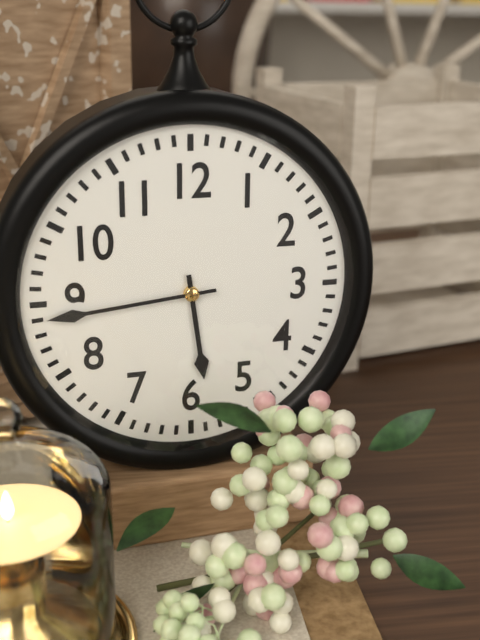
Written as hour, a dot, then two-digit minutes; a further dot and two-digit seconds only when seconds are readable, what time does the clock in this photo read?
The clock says 5.44
